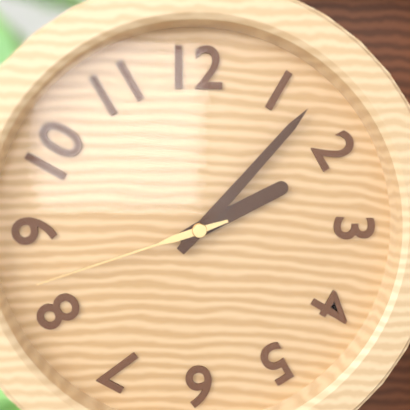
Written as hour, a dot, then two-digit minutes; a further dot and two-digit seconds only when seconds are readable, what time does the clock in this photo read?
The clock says 2.07.42
